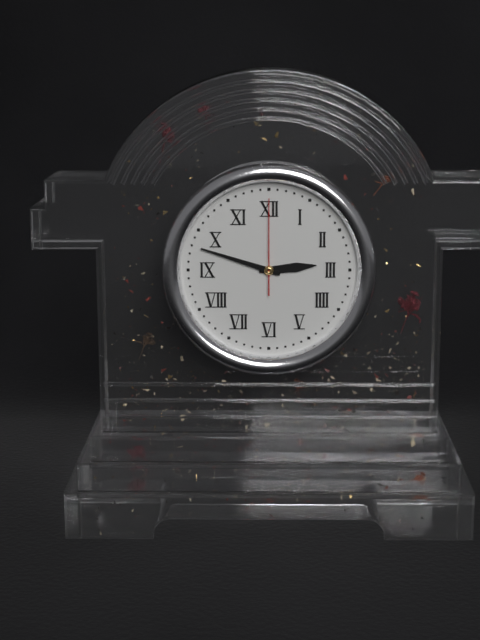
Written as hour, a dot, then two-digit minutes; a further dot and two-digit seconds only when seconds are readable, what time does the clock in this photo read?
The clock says 2.48.00
